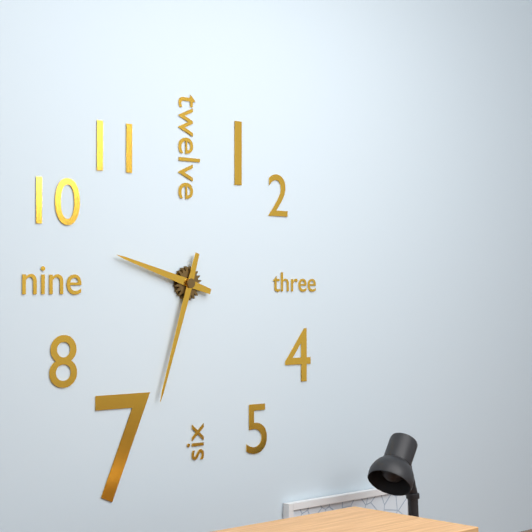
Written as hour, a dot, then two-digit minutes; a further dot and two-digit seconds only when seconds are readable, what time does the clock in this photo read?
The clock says 9.33
